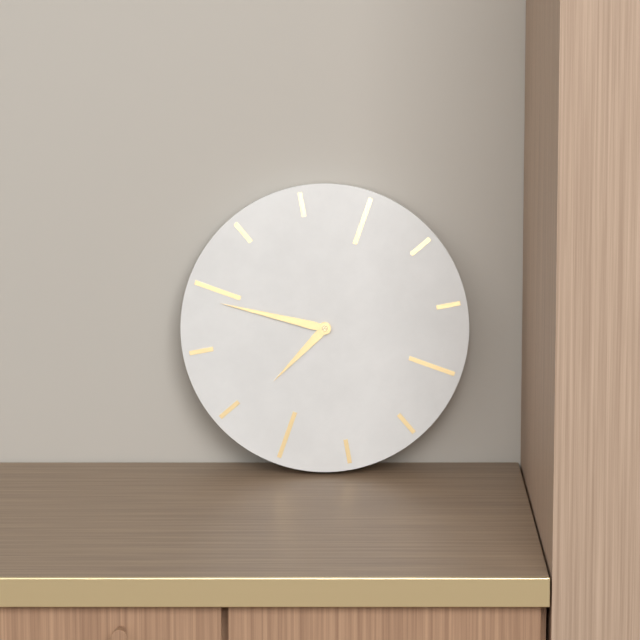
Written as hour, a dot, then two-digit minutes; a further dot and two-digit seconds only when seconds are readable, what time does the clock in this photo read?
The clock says 7.49
